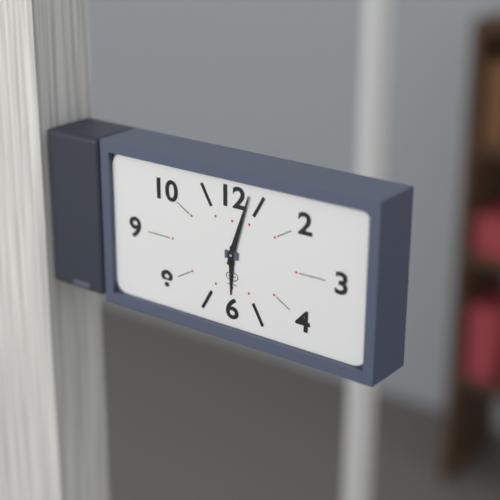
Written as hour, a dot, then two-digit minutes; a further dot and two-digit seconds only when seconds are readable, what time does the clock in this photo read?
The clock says 6.03
